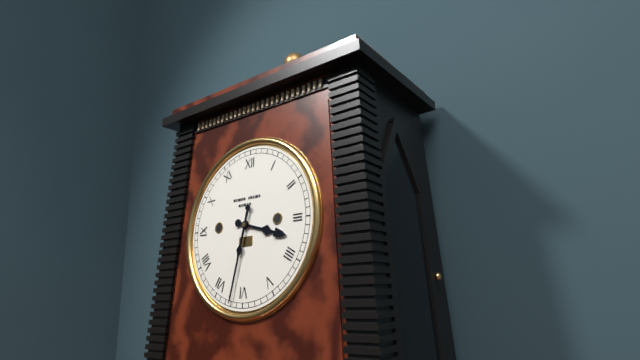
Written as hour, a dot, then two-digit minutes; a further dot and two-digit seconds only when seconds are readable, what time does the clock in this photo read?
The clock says 3.32
